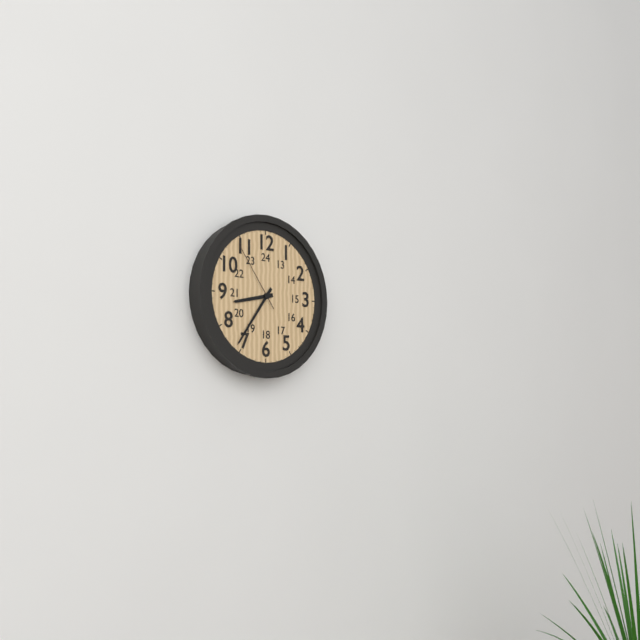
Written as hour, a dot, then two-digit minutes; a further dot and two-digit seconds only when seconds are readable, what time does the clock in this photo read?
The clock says 8.36.54
